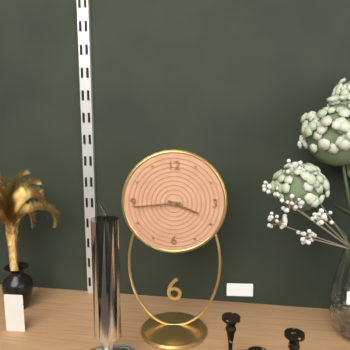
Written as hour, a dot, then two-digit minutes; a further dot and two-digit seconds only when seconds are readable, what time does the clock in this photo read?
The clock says 3.44
